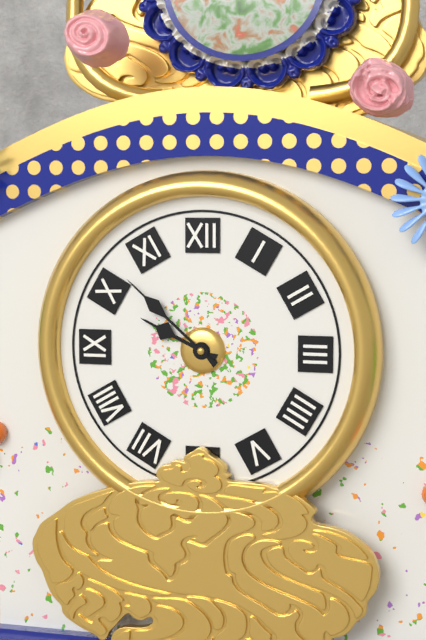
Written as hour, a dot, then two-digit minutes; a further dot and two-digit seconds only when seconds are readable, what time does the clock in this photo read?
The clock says 9.52
